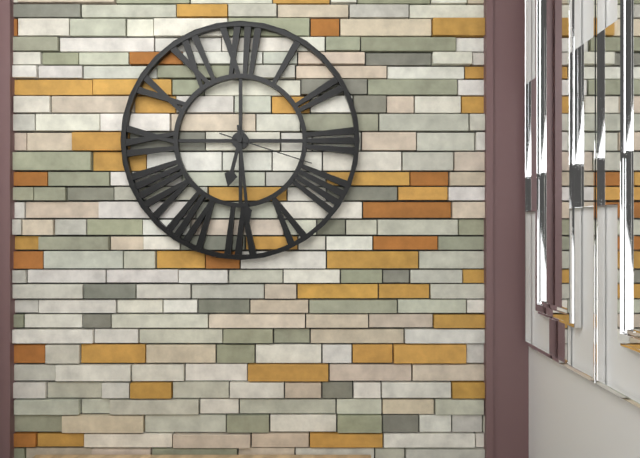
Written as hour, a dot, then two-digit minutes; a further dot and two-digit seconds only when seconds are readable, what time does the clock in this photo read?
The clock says 6.29.18
